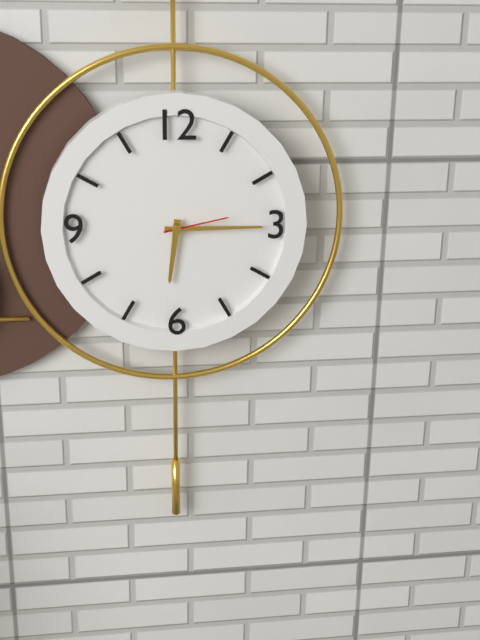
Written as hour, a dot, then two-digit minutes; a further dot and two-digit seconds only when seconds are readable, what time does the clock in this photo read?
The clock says 6.15.13
